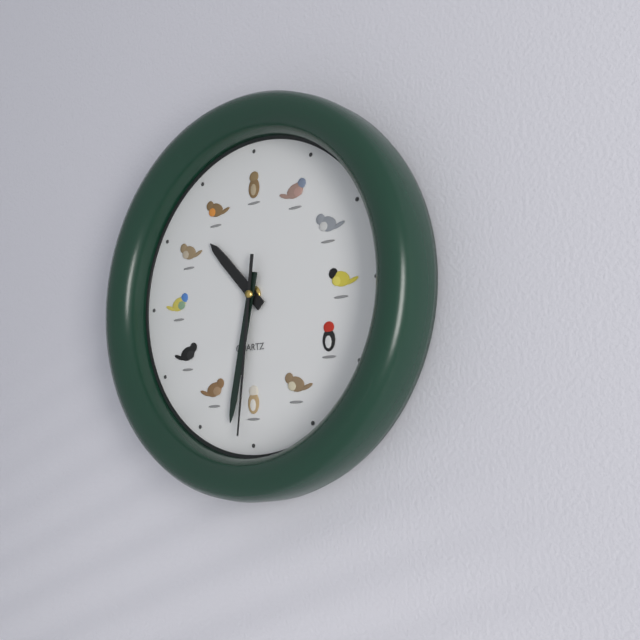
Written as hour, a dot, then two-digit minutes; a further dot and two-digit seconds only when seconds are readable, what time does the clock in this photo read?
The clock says 10.32.31
